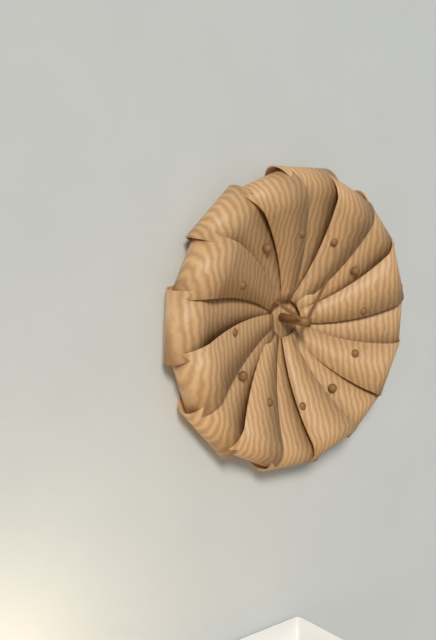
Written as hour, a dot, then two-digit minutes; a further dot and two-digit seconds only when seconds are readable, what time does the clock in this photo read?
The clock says 10.06
